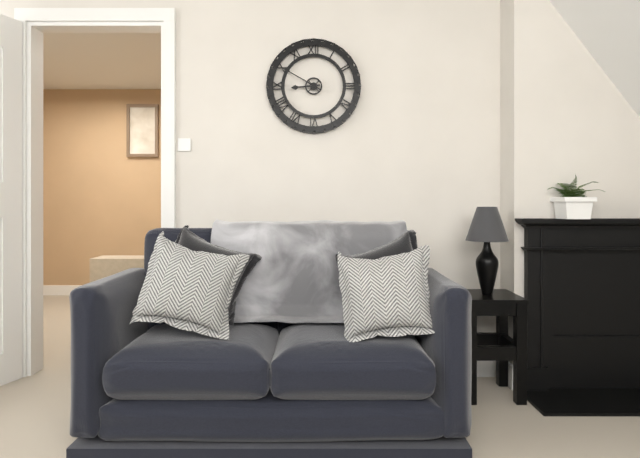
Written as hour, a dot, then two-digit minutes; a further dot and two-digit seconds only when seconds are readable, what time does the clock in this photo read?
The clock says 8.50
